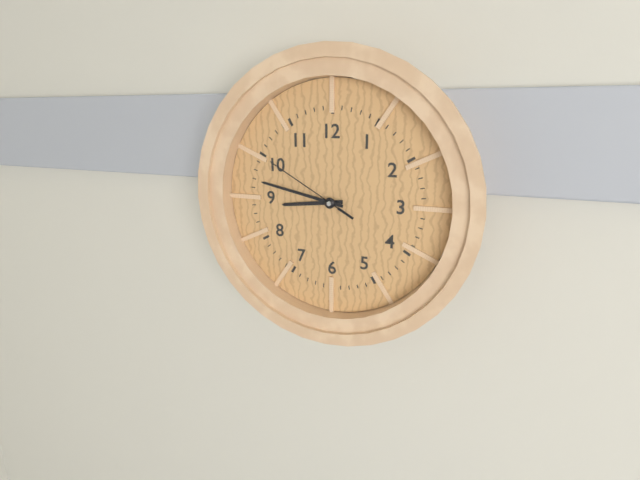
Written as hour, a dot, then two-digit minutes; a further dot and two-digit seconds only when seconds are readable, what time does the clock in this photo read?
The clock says 8.47.50
